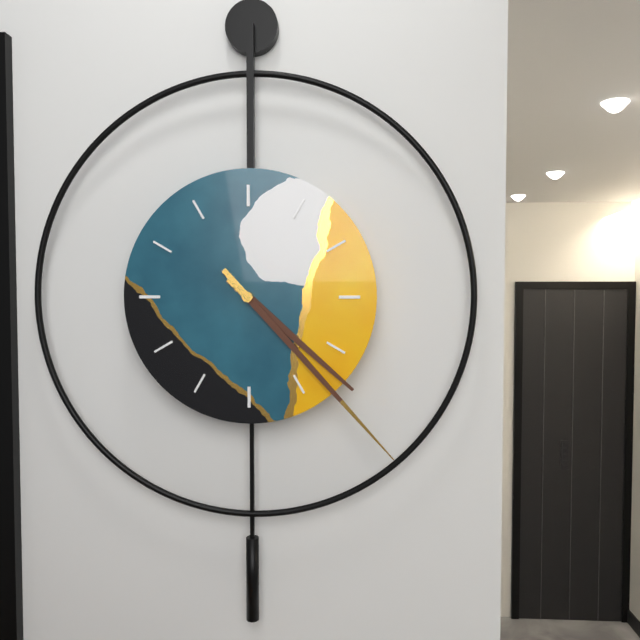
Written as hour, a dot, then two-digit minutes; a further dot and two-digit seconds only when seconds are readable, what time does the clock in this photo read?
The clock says 4.23
